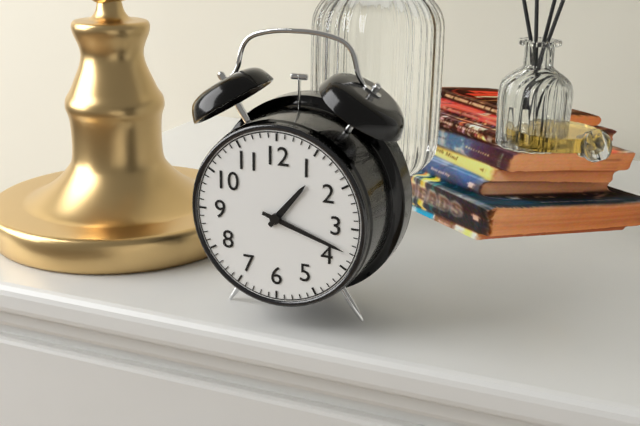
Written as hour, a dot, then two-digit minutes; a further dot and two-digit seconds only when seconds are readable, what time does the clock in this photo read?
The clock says 1.18
